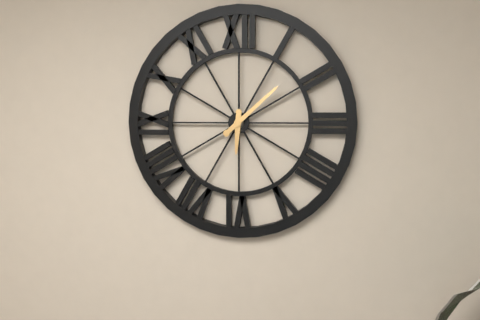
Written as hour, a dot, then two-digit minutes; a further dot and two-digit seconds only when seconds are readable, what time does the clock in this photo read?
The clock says 6.08
